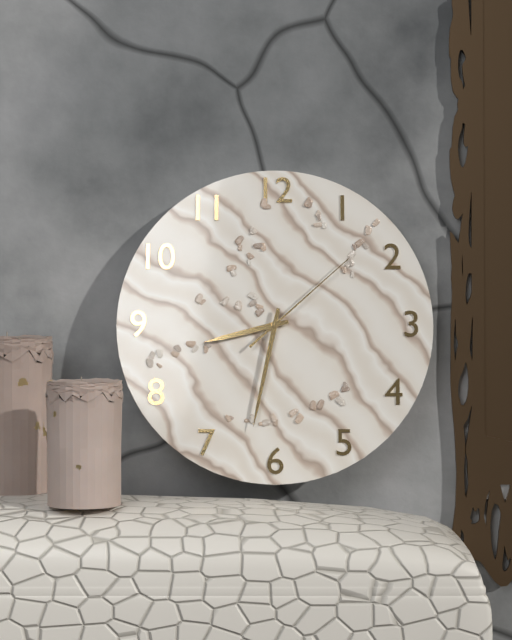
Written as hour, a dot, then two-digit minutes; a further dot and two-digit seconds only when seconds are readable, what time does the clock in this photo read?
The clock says 8.32.08
